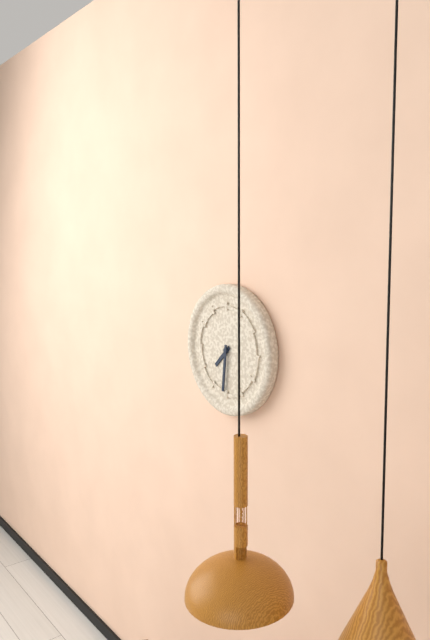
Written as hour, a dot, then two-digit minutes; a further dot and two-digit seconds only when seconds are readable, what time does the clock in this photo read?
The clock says 7.31
